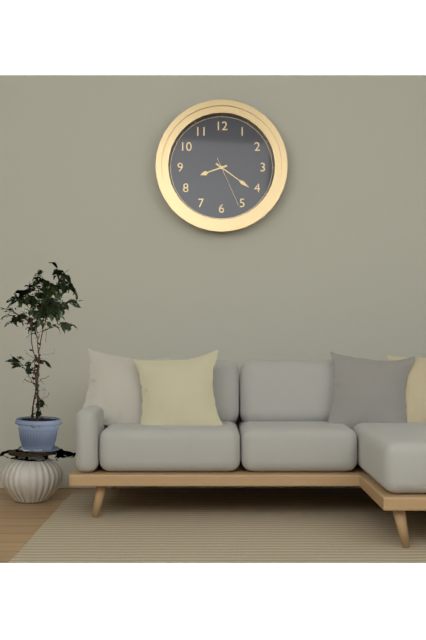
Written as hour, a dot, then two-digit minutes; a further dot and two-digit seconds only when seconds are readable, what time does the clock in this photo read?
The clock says 8.21.26
